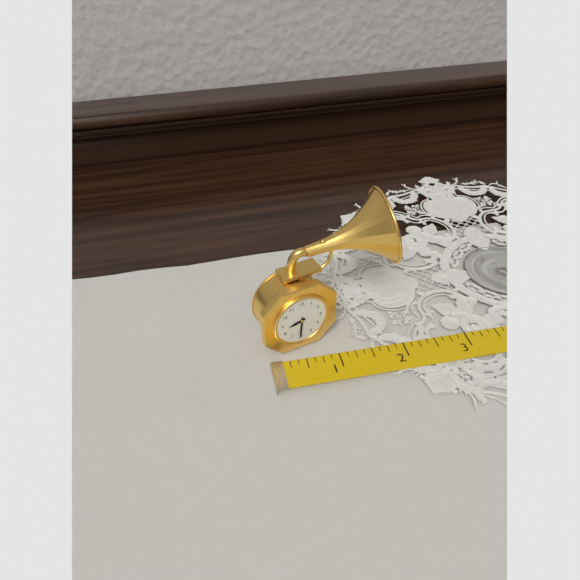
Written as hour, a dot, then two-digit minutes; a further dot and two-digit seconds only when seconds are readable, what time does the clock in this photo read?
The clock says 8.31
